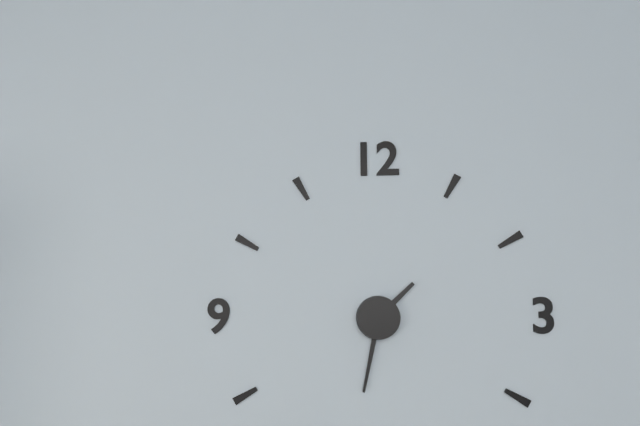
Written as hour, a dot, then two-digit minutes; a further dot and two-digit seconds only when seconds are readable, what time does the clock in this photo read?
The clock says 1.32
